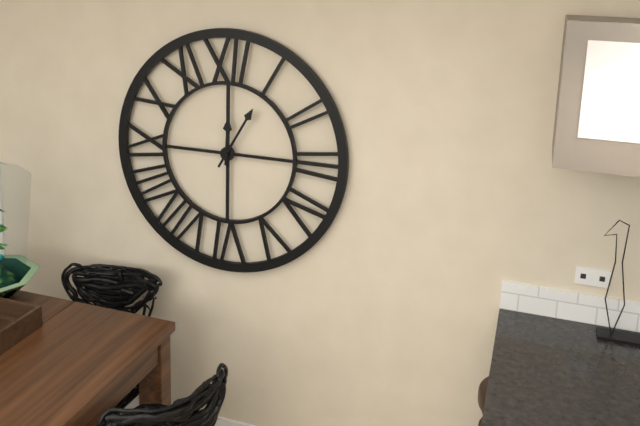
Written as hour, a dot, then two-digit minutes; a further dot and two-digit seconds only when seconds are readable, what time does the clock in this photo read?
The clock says 12.05
